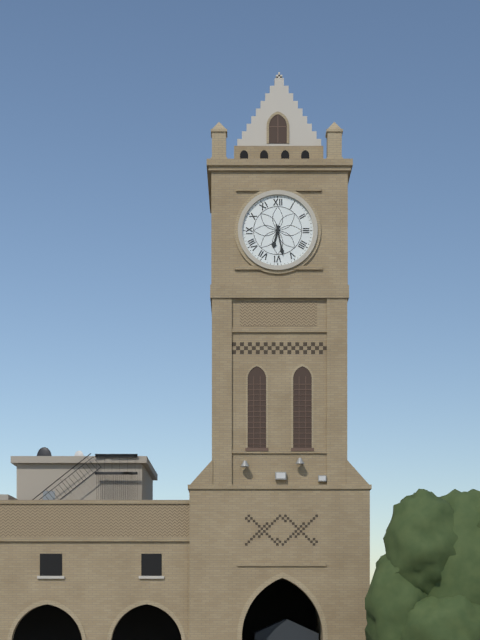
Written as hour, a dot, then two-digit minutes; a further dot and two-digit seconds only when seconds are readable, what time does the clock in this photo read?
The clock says 6.28
